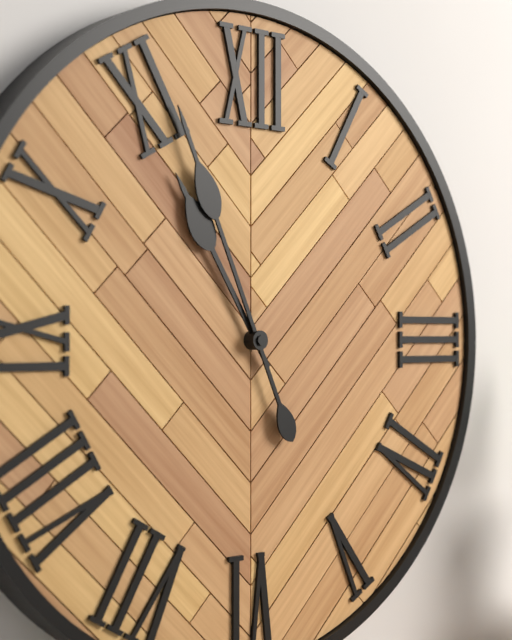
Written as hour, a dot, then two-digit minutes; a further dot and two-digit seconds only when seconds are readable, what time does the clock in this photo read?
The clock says 10.56
